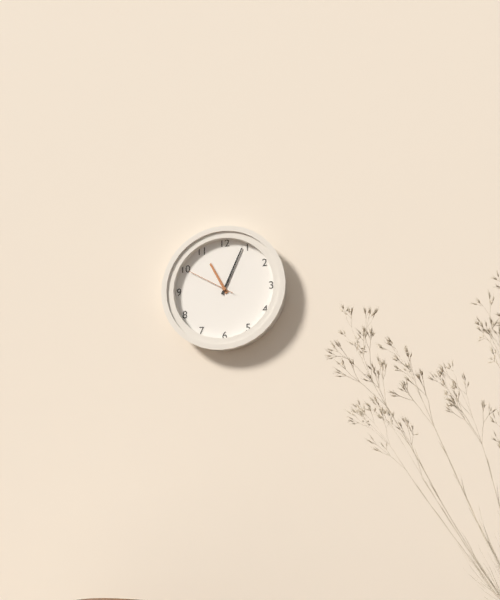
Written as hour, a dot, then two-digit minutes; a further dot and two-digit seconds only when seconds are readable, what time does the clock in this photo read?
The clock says 11.04
